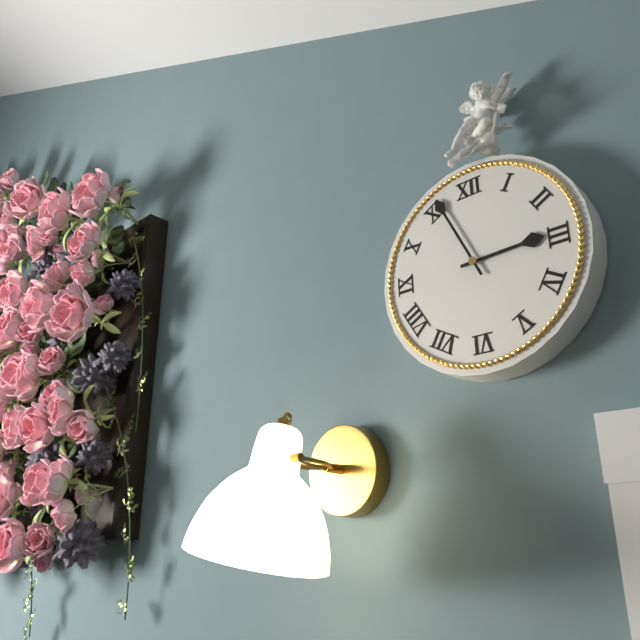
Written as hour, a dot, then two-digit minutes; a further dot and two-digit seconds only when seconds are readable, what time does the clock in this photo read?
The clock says 2.56
